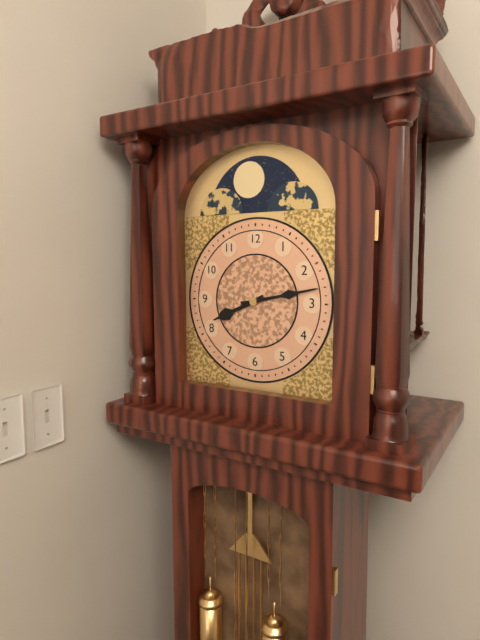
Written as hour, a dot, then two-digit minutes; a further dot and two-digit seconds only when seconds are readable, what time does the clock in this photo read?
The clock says 8.13
